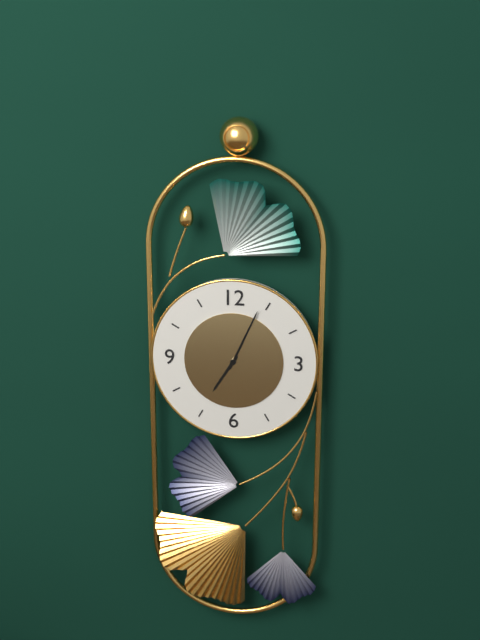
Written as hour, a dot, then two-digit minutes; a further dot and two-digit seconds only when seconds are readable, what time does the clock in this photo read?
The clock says 7.04
